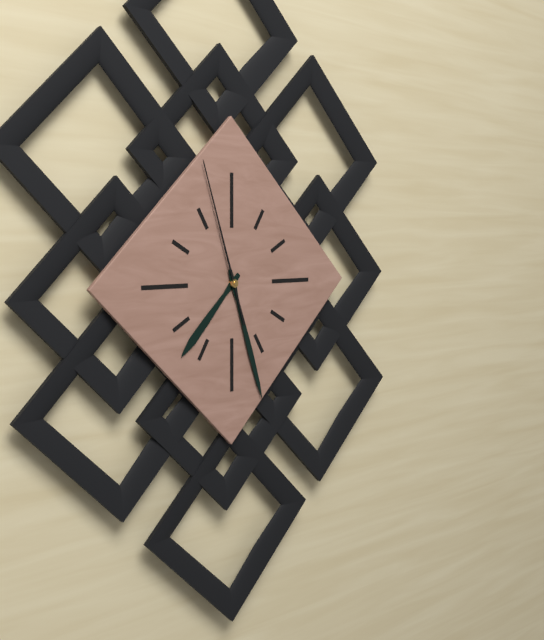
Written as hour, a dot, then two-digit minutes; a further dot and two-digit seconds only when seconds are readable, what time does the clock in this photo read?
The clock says 7.27.57
